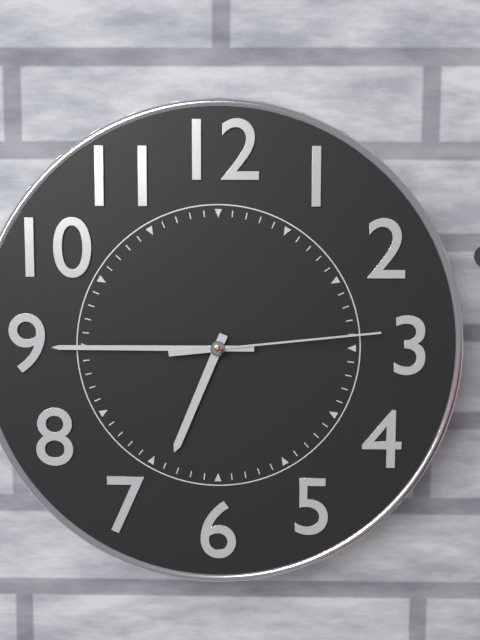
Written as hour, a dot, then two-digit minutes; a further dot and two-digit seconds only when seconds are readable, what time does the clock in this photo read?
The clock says 6.45.14
